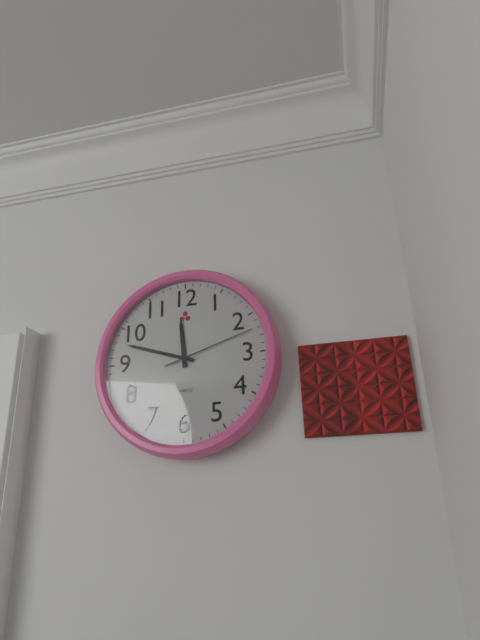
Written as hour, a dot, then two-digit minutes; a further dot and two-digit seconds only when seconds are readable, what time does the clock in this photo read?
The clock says 11.48.12
